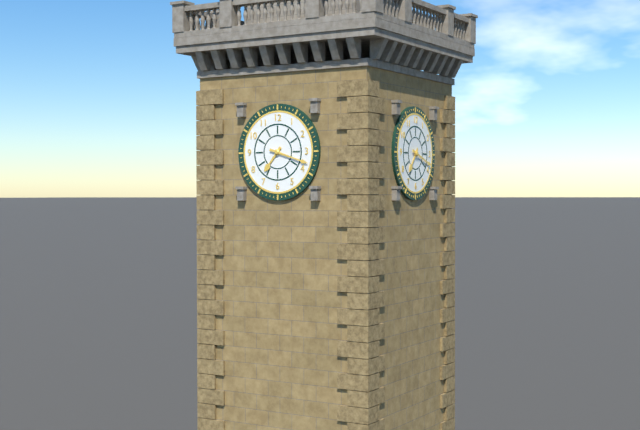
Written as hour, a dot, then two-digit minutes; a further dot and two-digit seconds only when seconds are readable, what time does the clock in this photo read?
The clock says 7.18
